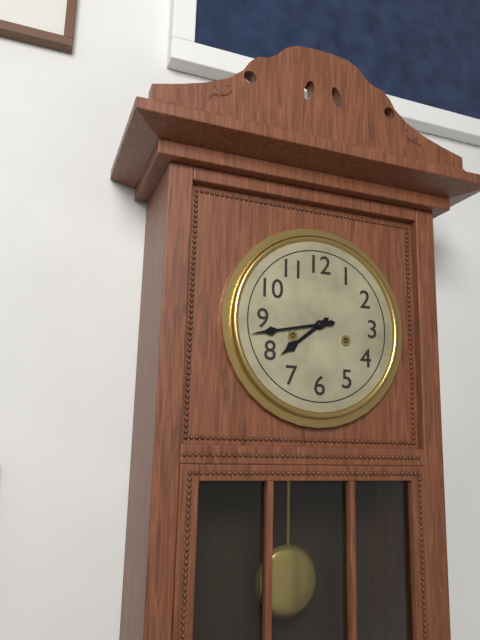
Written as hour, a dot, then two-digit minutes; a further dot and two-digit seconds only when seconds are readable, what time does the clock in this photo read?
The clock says 7.43
